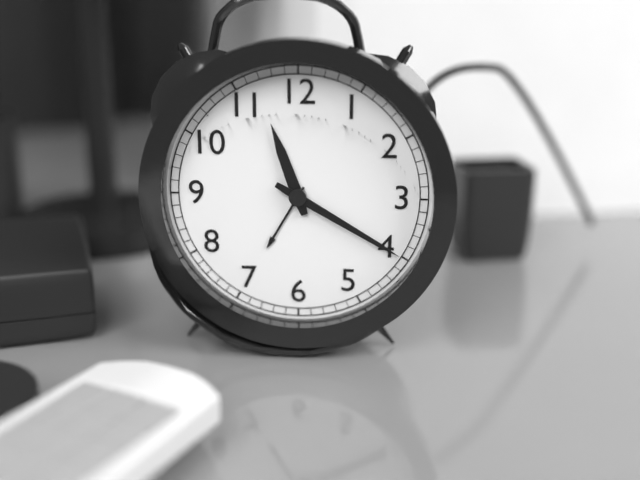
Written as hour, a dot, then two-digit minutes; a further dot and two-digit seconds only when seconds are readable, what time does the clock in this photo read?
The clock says 11.20
